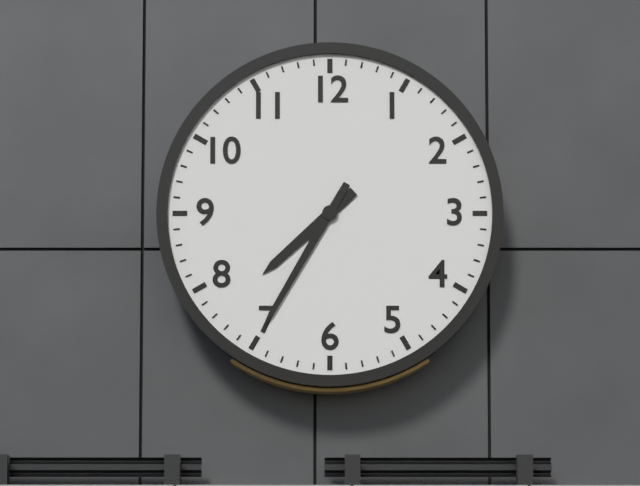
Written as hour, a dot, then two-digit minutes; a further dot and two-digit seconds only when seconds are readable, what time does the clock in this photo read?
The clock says 7.35
